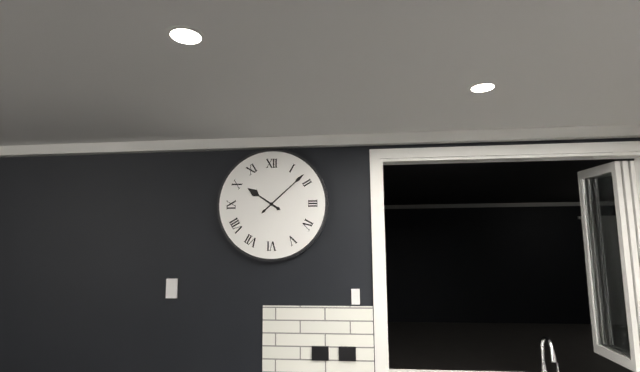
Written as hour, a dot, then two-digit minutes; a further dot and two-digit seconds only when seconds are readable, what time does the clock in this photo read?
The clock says 10.08
